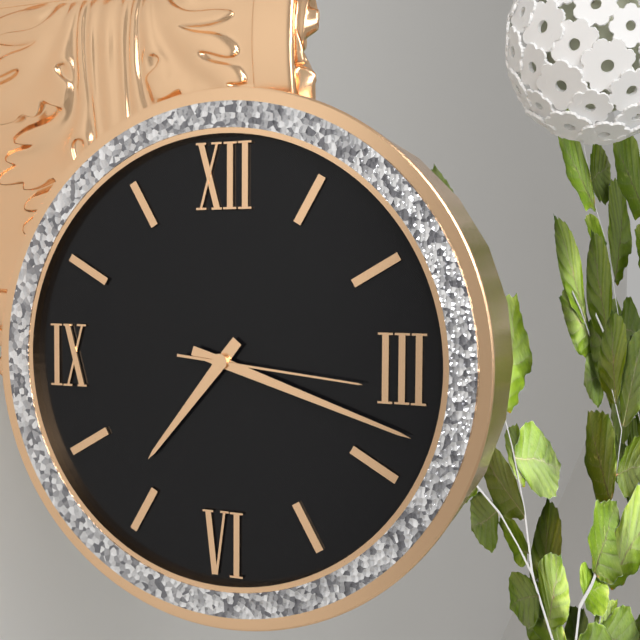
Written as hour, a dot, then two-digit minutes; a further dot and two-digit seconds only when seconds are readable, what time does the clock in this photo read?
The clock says 7.18.16
